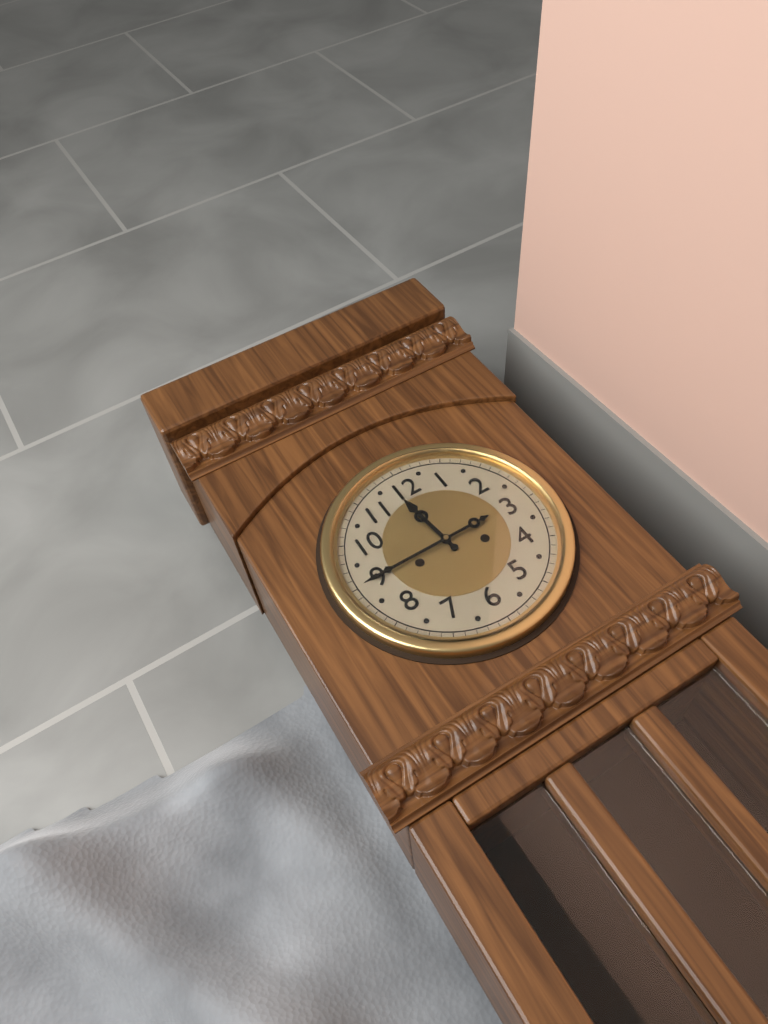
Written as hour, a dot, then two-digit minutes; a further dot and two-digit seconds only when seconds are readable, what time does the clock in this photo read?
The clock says 11.45
